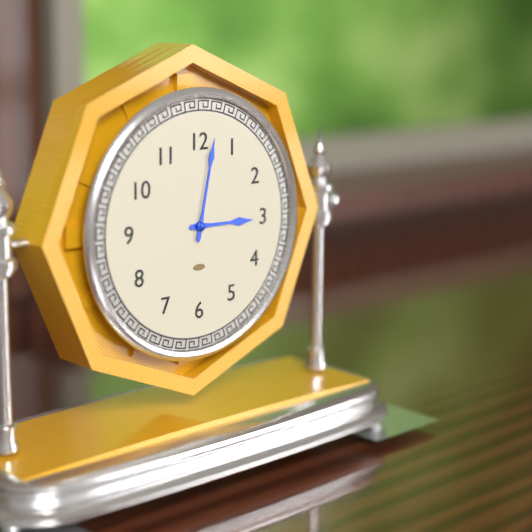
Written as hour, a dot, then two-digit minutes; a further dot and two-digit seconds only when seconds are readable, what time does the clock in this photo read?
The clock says 3.02
